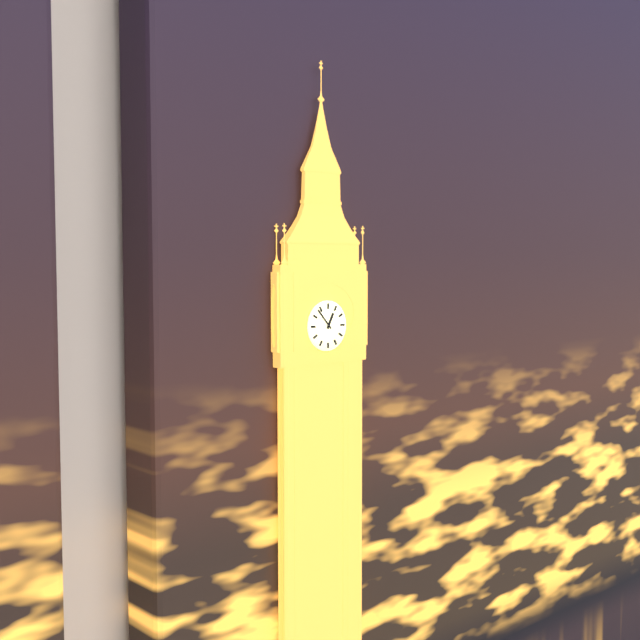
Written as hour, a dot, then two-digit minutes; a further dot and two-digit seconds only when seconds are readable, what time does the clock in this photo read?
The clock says 12.53
